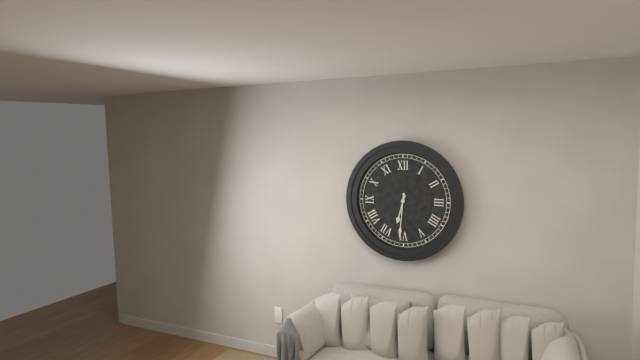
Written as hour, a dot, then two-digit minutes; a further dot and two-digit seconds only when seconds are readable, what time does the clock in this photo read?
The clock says 6.31
